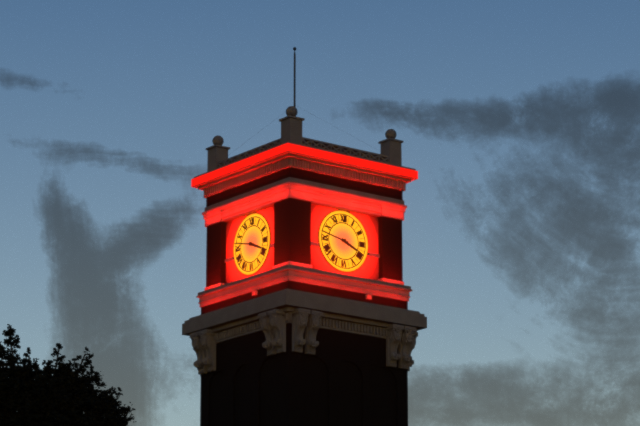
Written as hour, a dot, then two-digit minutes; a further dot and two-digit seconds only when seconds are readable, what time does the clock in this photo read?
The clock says 3.47
